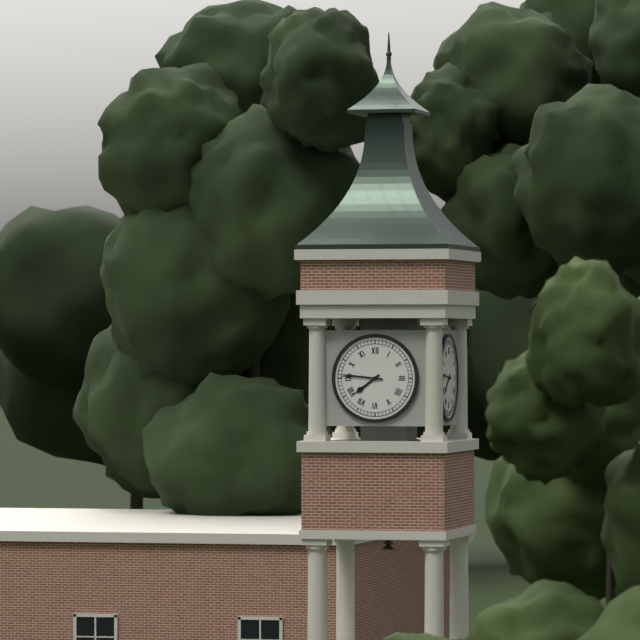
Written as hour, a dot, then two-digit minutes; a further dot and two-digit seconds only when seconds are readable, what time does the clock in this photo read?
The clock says 7.46
